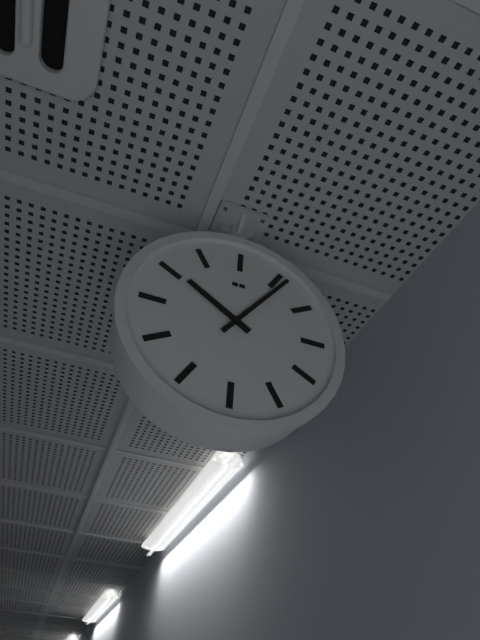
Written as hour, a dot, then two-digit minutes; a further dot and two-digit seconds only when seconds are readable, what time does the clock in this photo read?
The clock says 10.06
